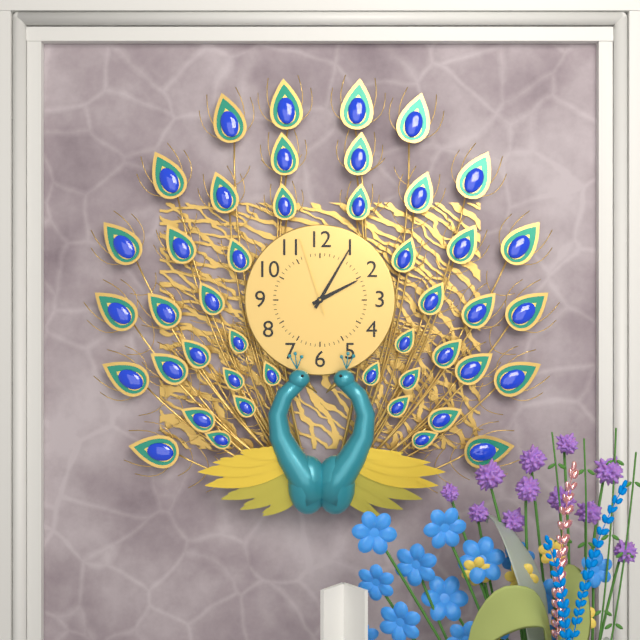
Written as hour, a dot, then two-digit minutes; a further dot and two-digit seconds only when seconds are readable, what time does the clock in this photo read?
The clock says 2.05.57
